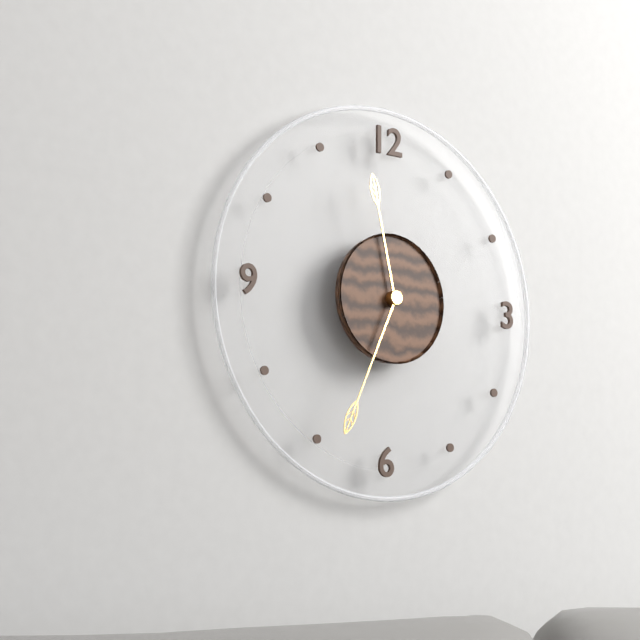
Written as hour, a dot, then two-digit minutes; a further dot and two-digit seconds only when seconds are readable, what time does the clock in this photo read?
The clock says 11.34
